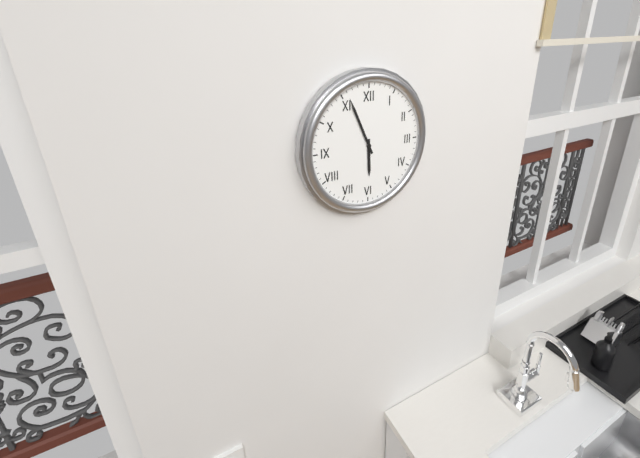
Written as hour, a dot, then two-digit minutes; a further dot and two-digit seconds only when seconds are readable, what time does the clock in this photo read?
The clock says 5.56
